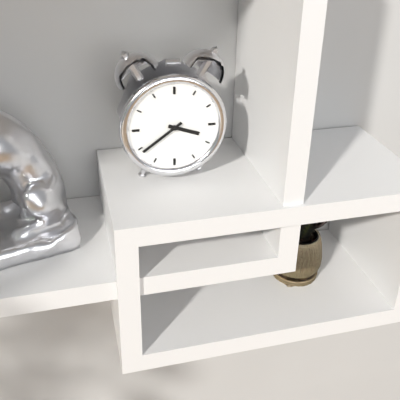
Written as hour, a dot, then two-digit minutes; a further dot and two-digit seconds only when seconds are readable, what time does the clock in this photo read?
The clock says 3.39
